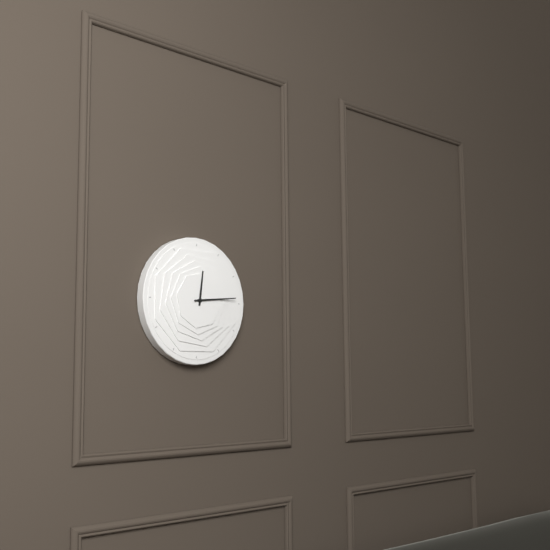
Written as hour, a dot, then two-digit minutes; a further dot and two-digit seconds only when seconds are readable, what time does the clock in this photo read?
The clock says 12.14
